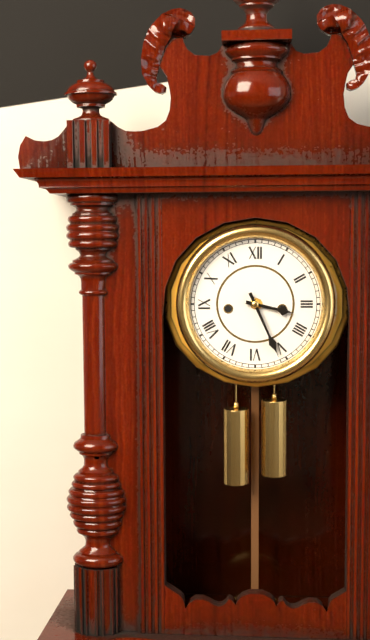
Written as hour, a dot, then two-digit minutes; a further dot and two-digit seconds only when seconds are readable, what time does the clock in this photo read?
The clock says 3.26
